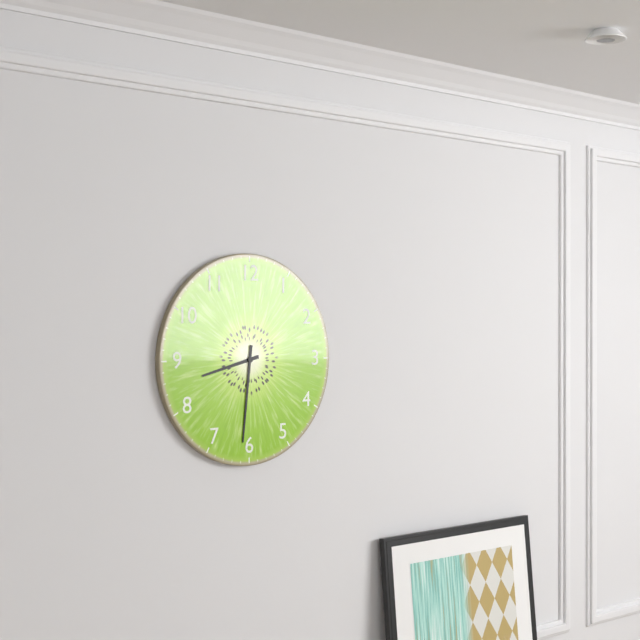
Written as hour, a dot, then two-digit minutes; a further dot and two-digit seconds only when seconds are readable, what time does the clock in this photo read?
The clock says 8.31
